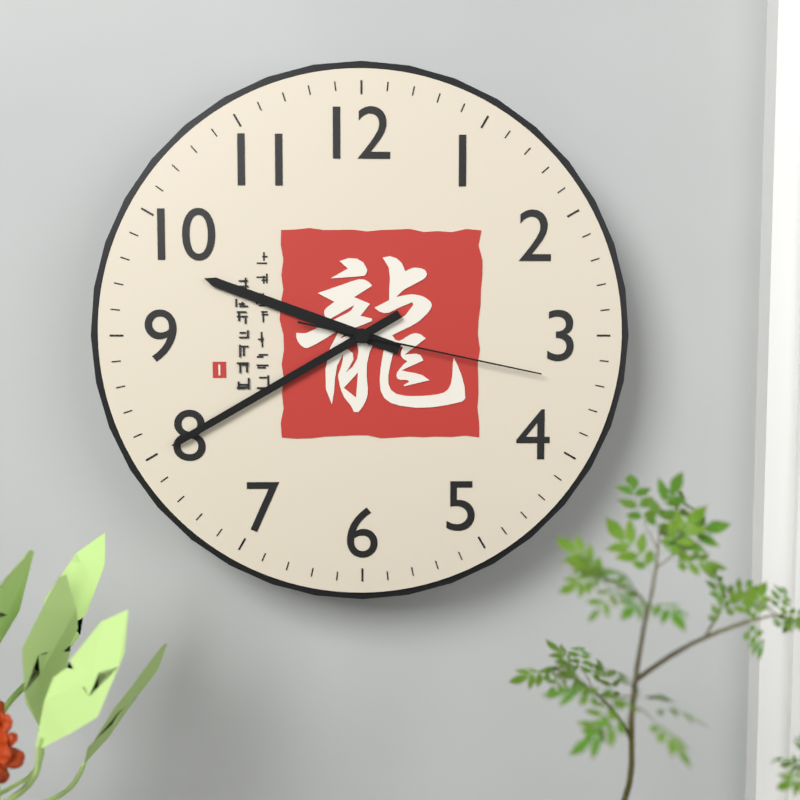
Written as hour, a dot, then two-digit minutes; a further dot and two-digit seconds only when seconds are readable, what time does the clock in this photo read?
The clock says 9.40.17
